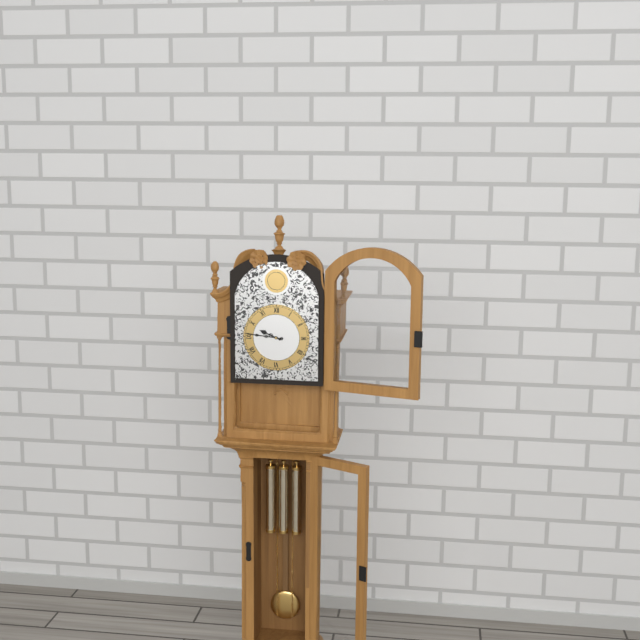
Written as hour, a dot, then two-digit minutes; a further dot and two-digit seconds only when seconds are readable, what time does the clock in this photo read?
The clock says 9.46
